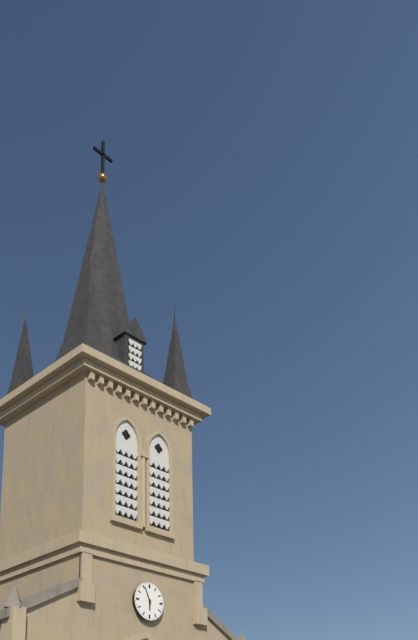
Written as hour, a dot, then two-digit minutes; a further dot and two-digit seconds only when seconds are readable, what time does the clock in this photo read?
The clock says 5.56
